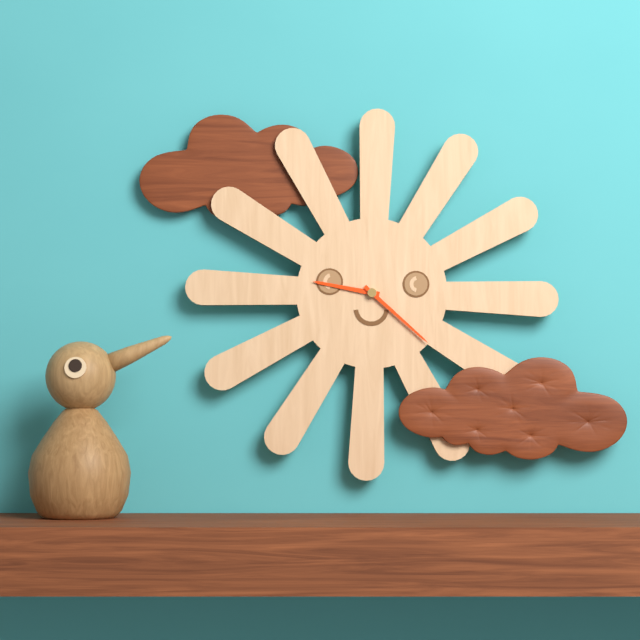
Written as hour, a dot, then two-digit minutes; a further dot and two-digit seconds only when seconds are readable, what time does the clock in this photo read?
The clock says 9.22
